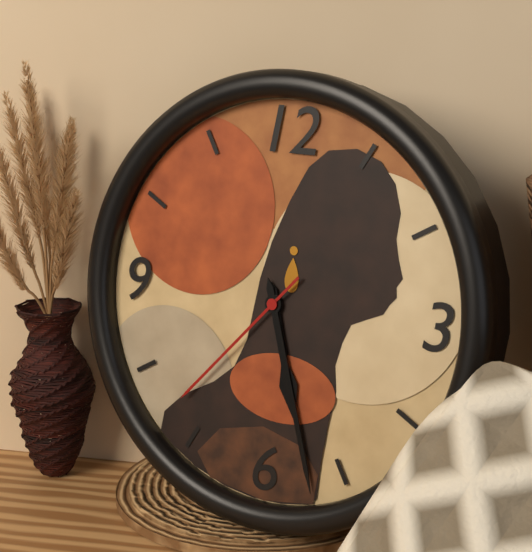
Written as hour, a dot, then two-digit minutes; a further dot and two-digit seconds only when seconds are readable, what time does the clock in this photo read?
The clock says 5.27.37
